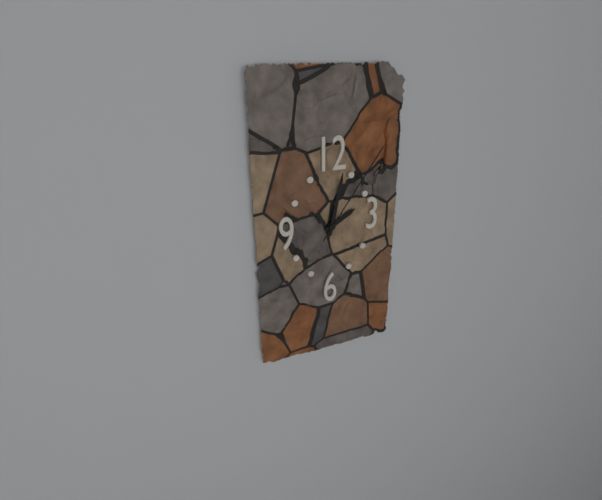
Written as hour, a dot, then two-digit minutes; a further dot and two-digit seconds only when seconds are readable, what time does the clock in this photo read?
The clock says 2.02.06
